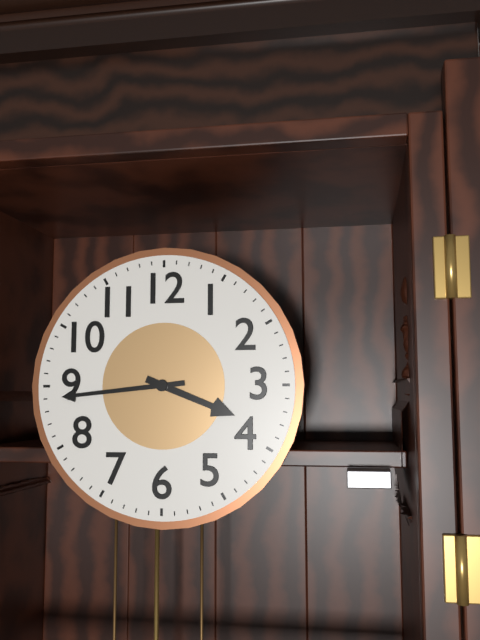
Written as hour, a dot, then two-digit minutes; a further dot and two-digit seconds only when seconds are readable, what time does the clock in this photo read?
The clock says 3.44
